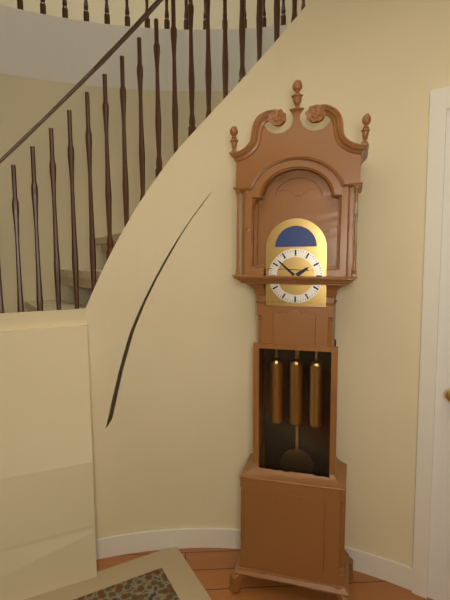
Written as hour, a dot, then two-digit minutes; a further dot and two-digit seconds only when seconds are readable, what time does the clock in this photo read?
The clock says 1.52
